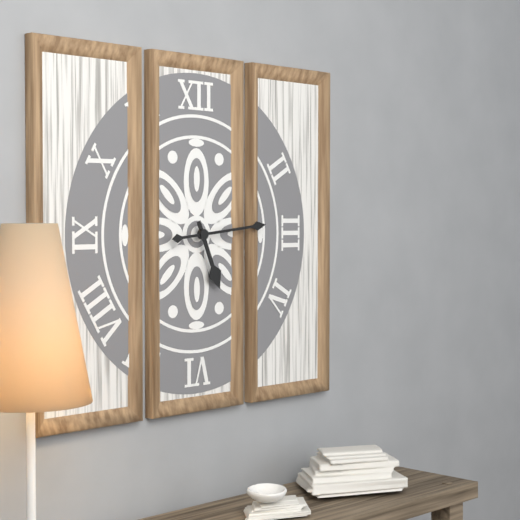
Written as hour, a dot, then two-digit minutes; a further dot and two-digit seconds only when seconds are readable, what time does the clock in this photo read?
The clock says 5.14
